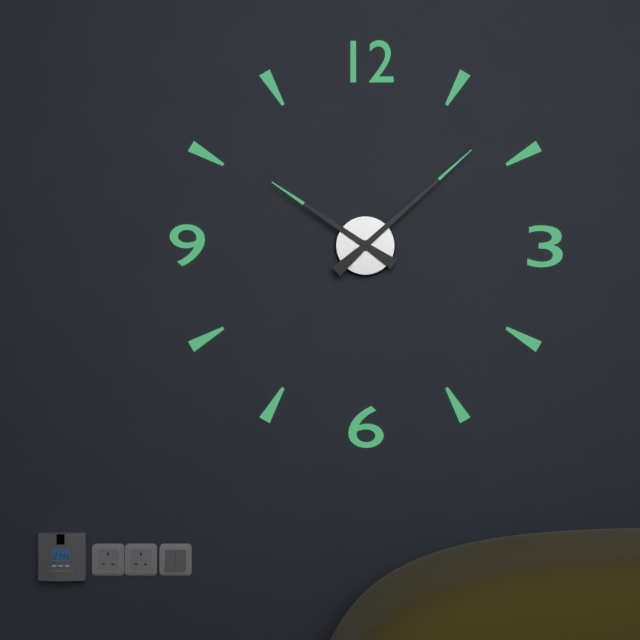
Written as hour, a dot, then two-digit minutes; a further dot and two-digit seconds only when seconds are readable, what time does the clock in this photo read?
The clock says 10.08
